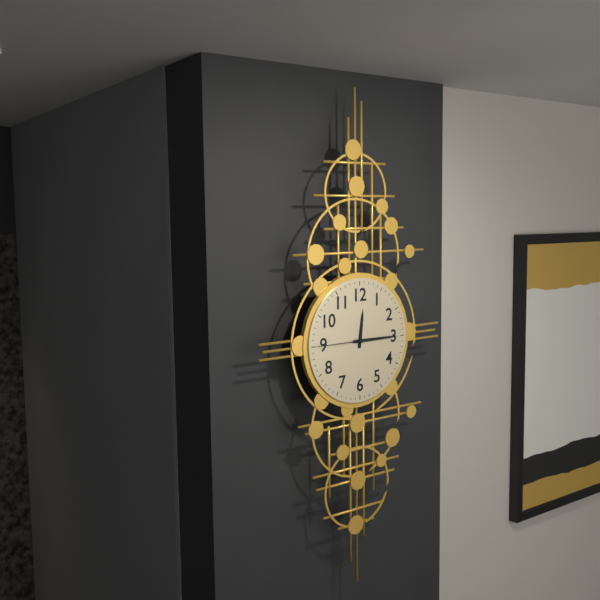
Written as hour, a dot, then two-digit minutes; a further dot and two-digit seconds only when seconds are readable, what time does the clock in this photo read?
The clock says 12.15.45
